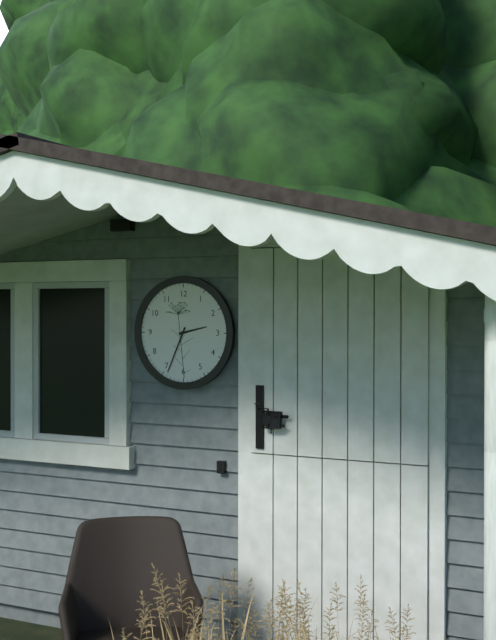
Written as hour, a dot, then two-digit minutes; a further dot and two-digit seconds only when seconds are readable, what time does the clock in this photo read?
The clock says 2.34
